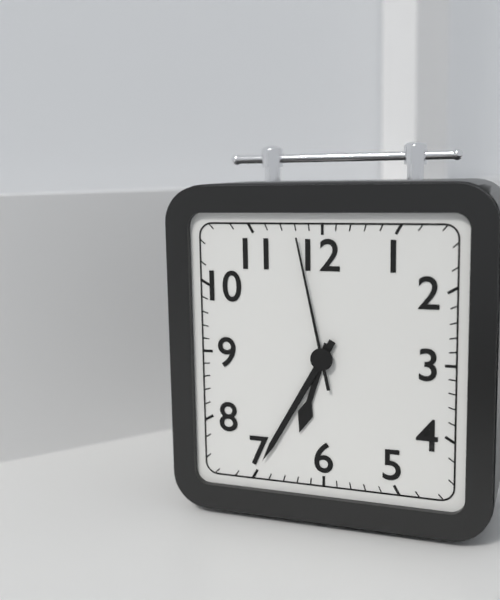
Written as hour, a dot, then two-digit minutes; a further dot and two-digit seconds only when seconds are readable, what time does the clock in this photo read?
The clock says 6.35.58
